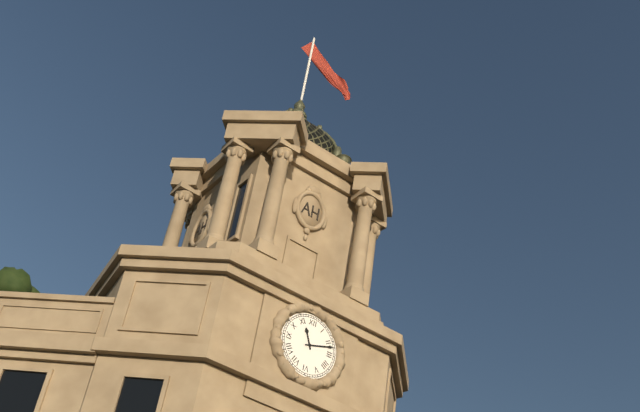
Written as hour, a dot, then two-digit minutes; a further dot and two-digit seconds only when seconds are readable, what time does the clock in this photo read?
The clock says 11.12
